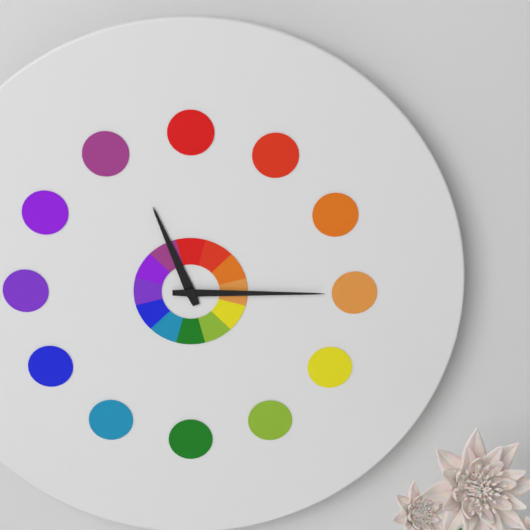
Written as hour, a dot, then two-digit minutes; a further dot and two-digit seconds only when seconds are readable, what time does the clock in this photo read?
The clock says 11.15
